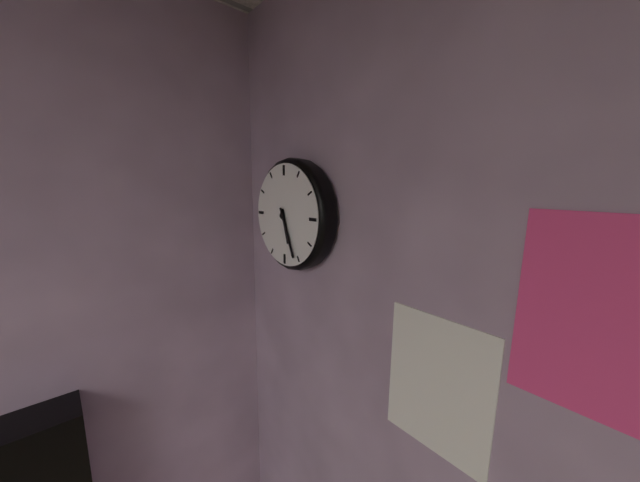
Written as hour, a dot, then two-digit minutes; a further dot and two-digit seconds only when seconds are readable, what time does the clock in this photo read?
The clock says 5.26
